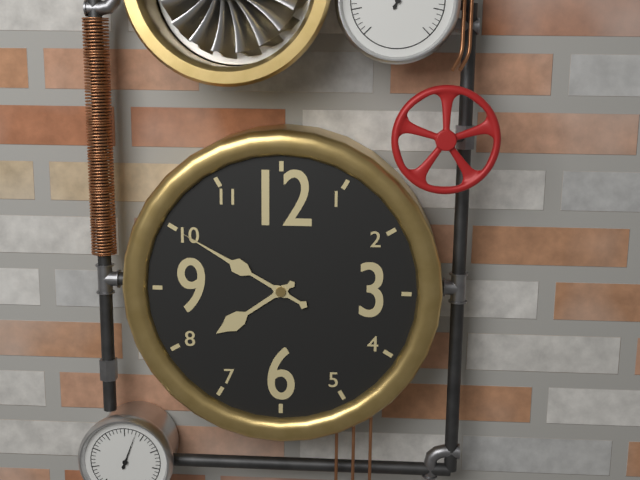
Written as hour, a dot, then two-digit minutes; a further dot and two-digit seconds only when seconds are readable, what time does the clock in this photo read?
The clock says 7.50
